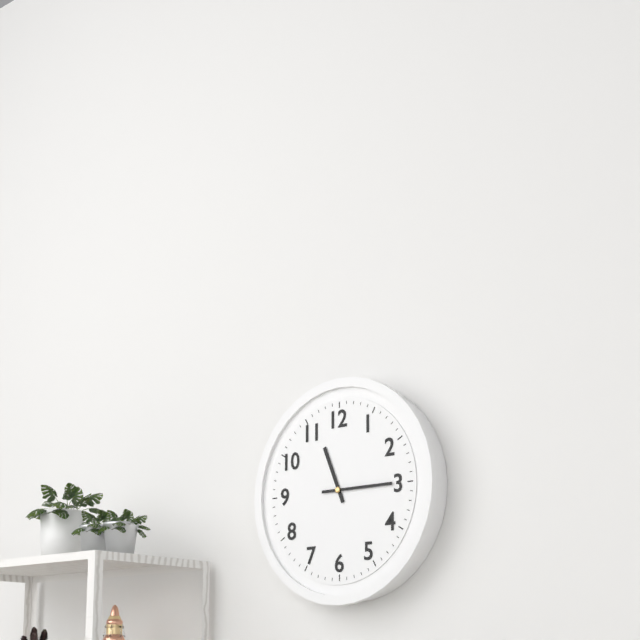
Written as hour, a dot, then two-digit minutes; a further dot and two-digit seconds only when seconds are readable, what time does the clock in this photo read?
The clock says 11.15
